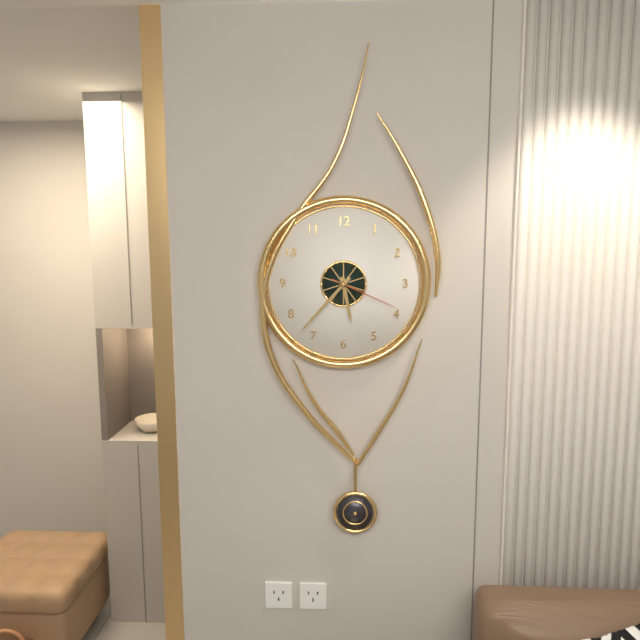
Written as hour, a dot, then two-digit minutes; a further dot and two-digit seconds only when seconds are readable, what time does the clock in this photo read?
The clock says 5.37.19
